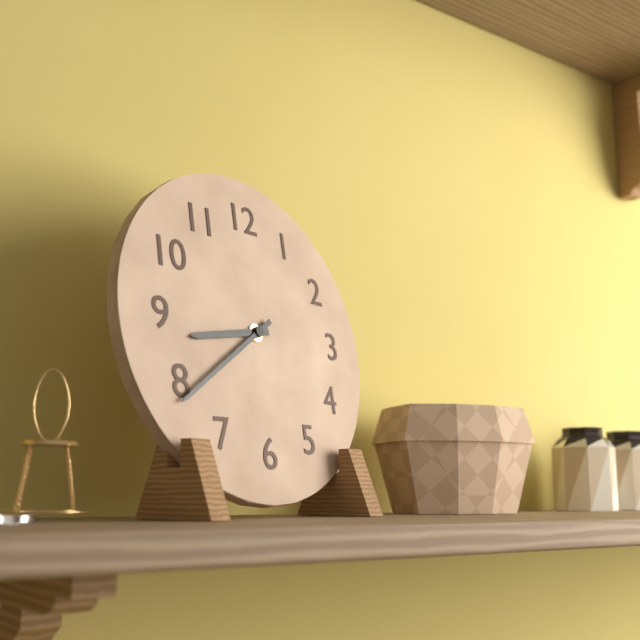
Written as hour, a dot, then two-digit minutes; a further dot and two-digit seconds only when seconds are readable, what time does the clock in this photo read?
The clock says 8.39
